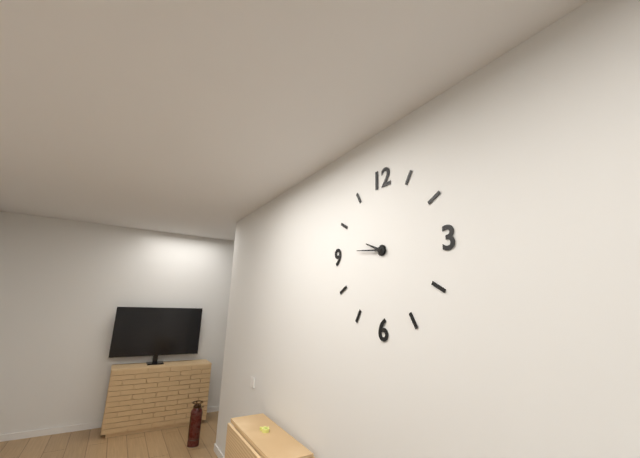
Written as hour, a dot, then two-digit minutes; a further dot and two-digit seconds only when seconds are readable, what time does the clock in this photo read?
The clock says 9.46
